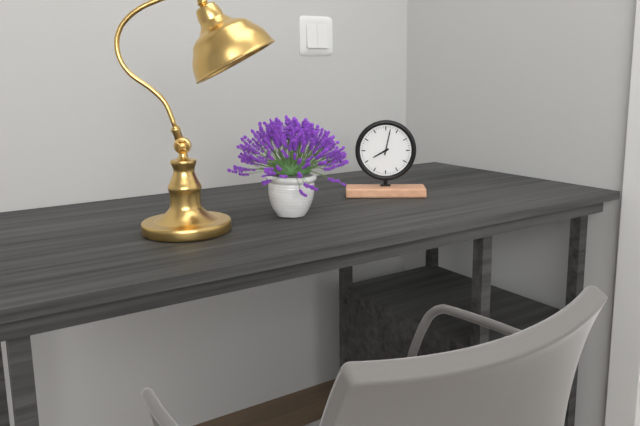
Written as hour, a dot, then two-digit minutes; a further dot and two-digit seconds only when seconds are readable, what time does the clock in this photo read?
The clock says 8.02
